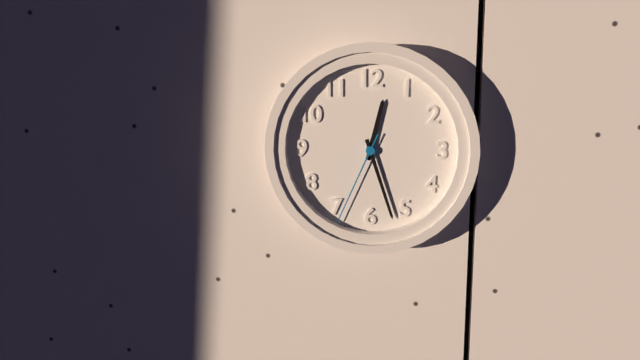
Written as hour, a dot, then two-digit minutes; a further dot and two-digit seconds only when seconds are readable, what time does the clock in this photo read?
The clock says 12.27.34
